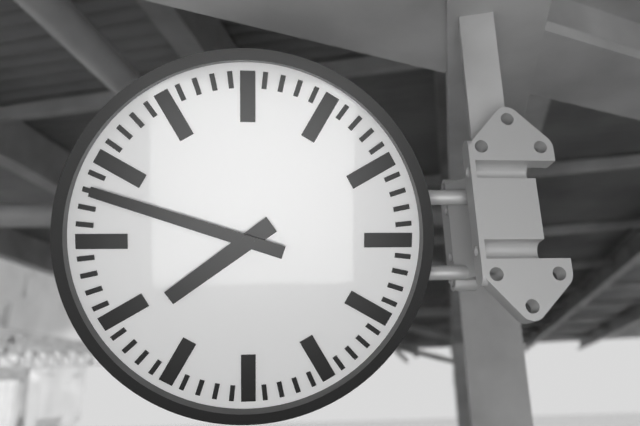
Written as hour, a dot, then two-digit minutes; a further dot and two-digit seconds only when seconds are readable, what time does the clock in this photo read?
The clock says 7.48
